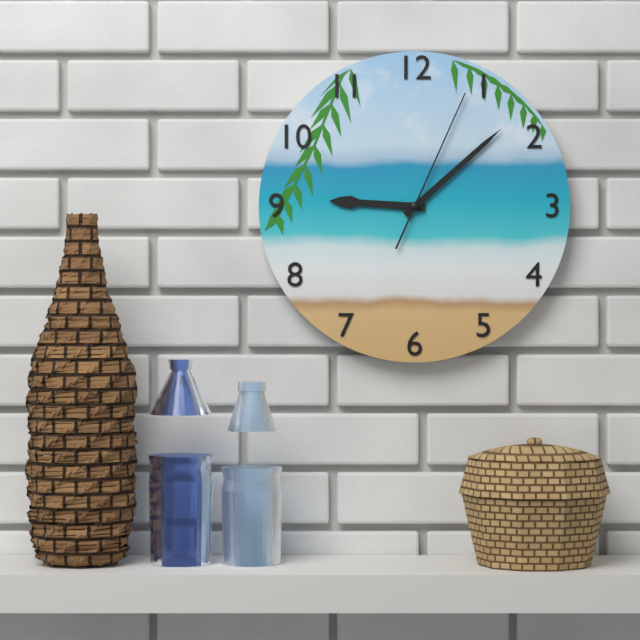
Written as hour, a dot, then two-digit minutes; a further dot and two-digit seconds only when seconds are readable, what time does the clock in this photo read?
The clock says 9.08.04
